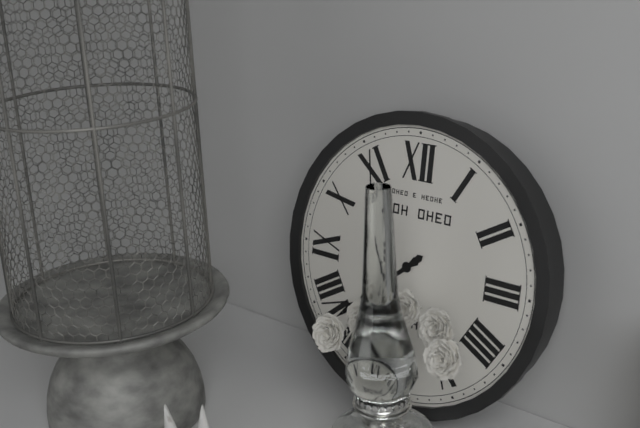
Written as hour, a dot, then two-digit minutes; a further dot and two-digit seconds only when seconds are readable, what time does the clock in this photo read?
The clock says 7.38
